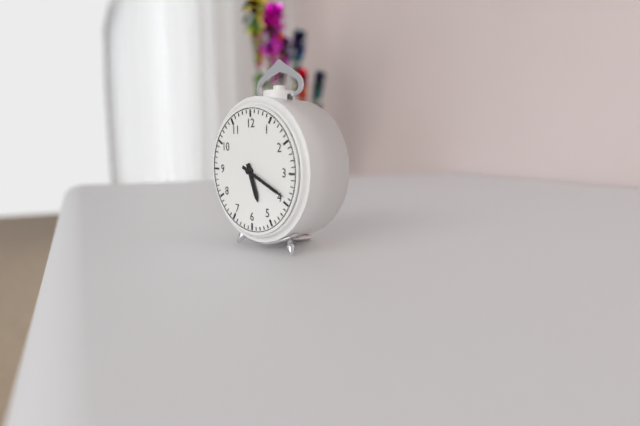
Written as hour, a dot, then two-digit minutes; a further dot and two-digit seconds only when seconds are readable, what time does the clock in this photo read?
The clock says 5.19
